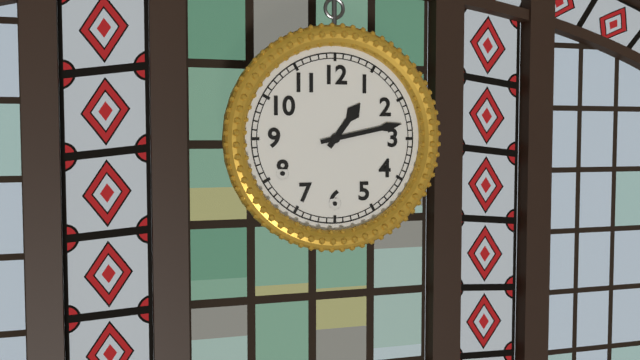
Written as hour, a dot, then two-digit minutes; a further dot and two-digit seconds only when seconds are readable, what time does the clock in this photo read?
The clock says 1.13
